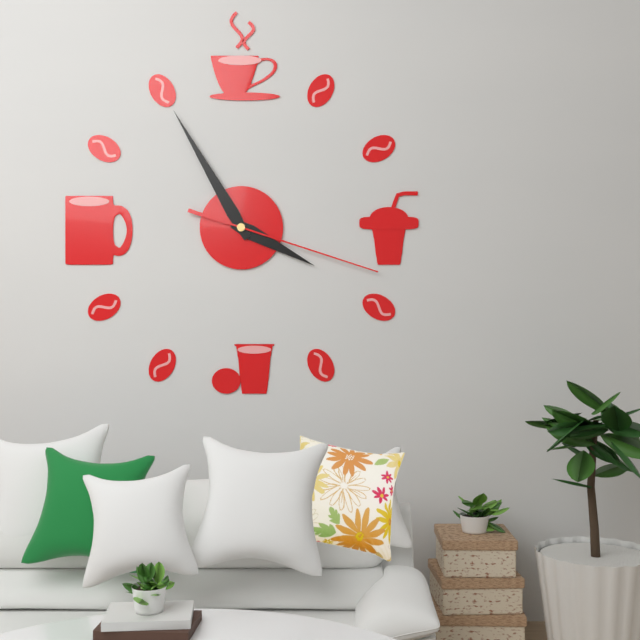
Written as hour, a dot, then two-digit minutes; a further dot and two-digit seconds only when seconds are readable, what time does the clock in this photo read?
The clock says 3.55.18
